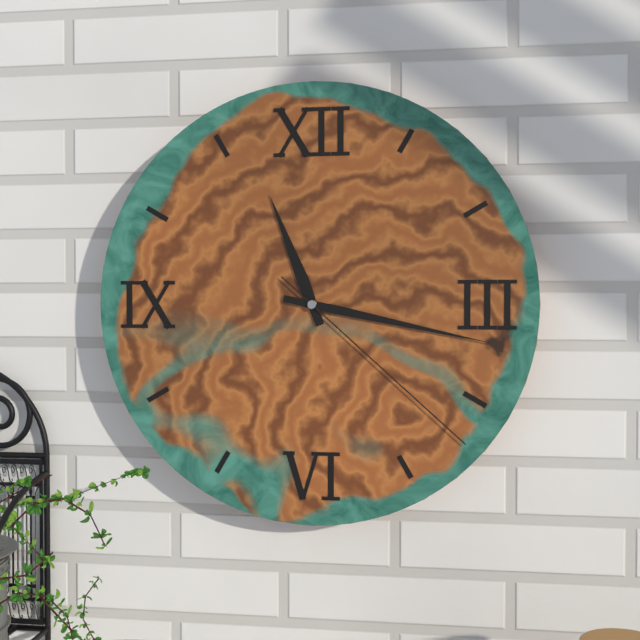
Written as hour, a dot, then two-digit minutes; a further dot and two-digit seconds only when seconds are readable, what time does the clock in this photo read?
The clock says 11.17.22
